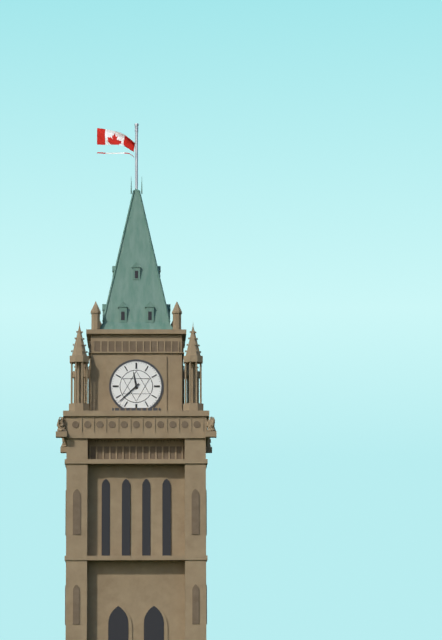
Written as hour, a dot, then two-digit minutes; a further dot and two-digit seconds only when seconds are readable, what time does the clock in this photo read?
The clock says 11.38
